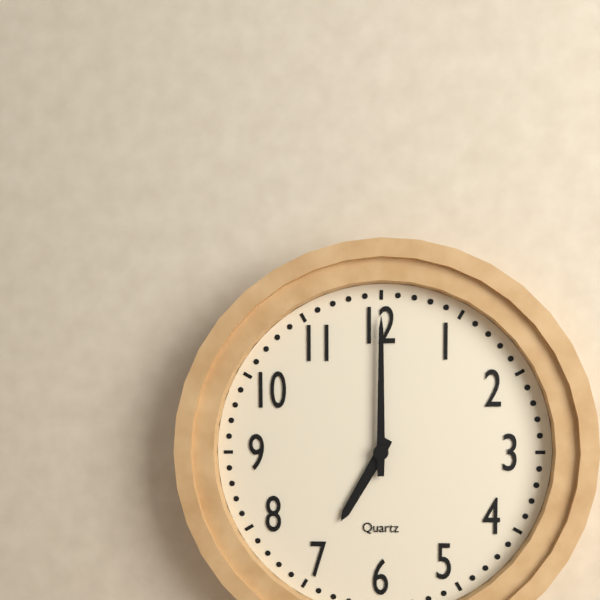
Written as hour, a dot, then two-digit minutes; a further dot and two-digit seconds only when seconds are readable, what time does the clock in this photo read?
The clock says 7.00
